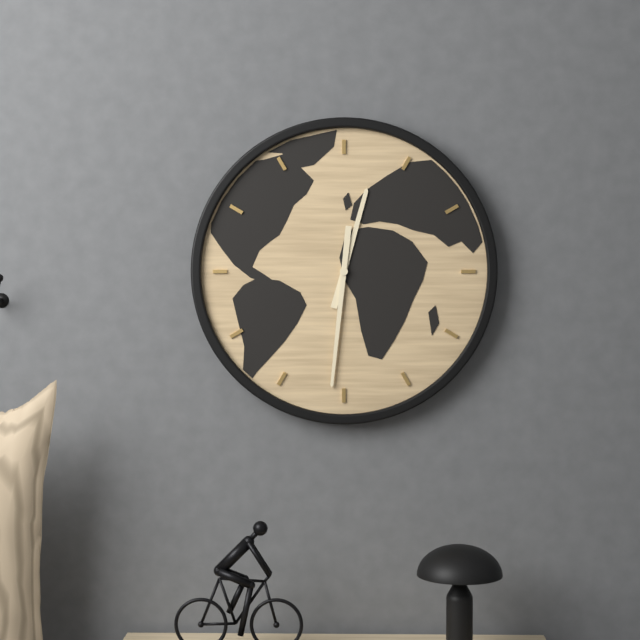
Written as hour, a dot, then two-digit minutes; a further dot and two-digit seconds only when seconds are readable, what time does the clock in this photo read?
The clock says 12.31
